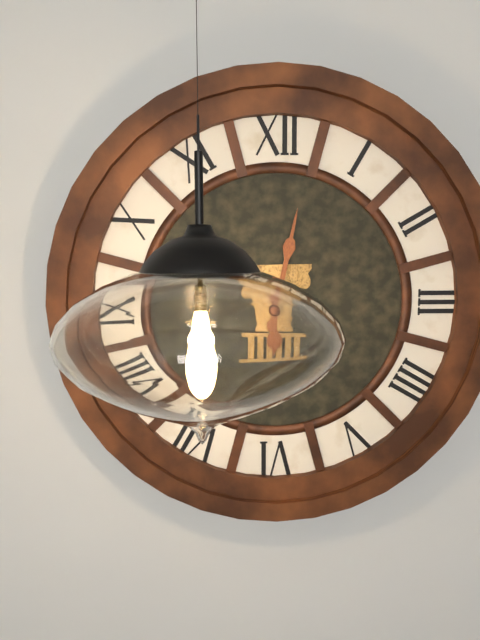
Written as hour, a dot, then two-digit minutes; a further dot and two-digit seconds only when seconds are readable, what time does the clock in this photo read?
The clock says 6.02
